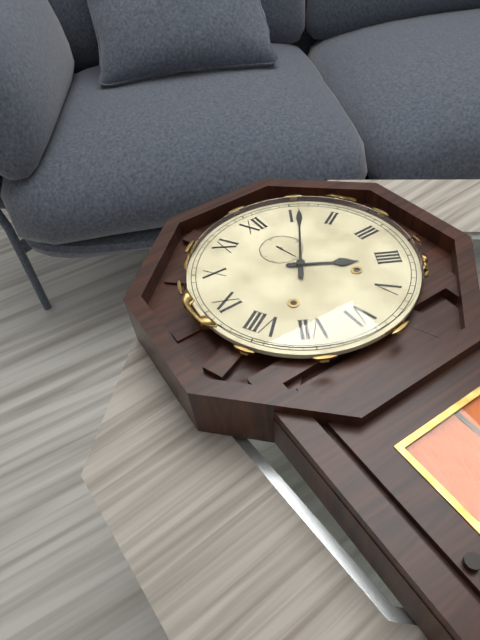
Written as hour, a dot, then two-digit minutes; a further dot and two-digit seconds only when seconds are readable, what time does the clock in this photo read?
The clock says 4.06
